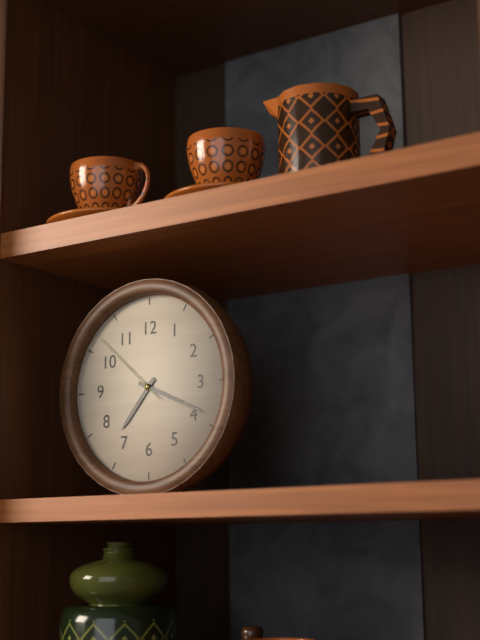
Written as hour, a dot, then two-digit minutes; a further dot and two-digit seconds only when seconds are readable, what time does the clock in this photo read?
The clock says 7.19.52
